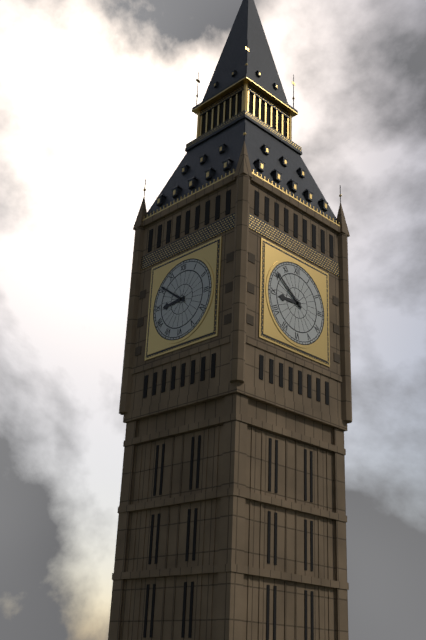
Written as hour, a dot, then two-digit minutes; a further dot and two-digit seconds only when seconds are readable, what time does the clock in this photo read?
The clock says 8.51
